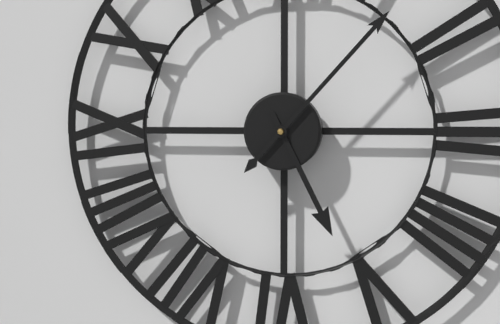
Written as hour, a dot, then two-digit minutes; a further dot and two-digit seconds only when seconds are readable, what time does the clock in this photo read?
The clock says 5.07
